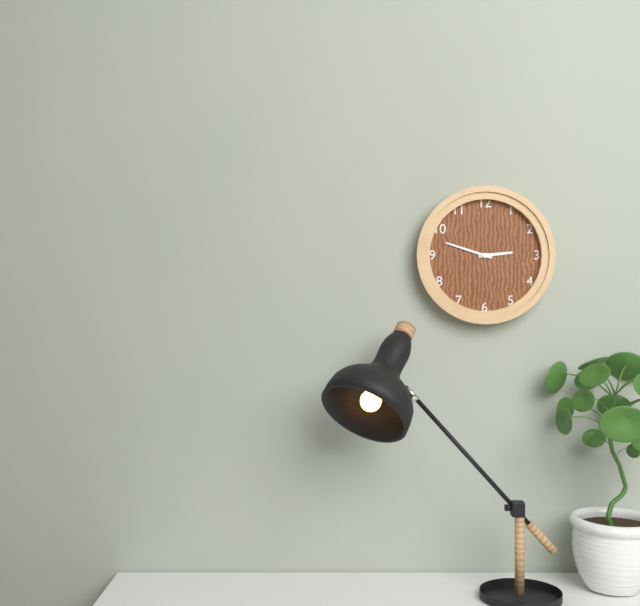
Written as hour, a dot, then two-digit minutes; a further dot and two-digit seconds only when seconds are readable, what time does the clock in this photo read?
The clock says 2.48
